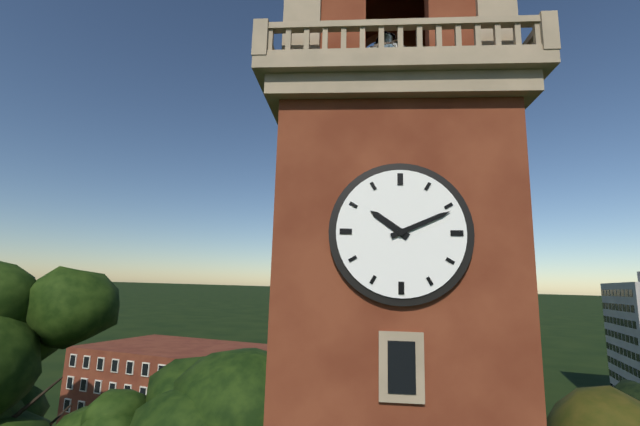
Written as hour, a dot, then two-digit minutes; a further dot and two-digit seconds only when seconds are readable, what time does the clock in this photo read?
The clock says 10.11
